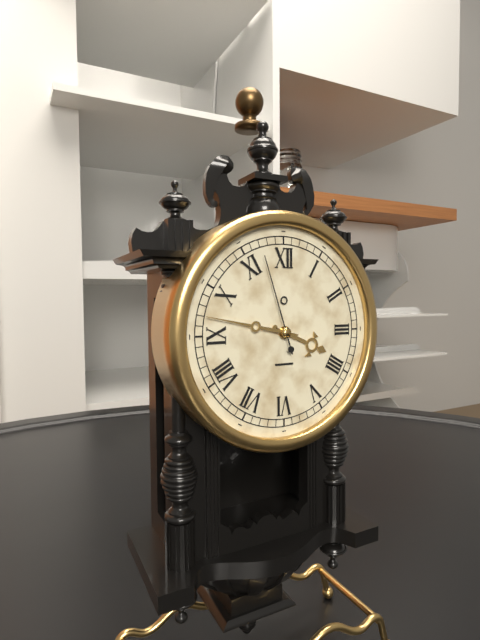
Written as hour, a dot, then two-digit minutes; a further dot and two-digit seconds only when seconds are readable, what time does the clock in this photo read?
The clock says 3.47.57
